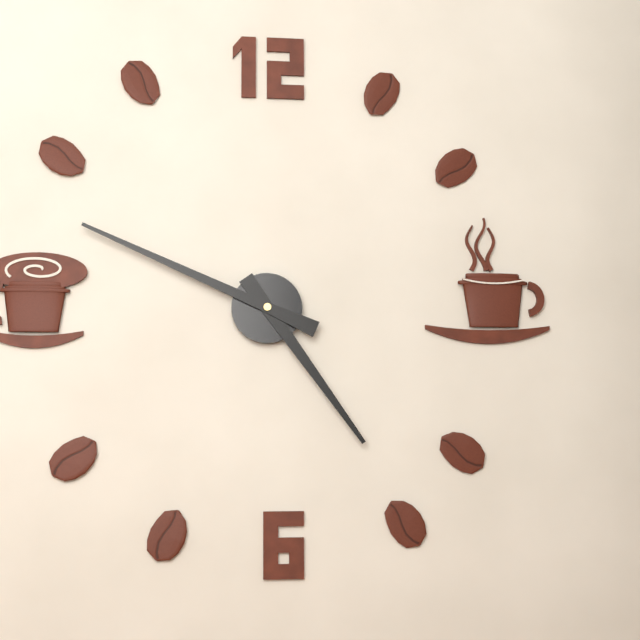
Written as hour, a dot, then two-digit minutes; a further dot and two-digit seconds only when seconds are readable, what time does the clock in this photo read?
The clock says 4.49
